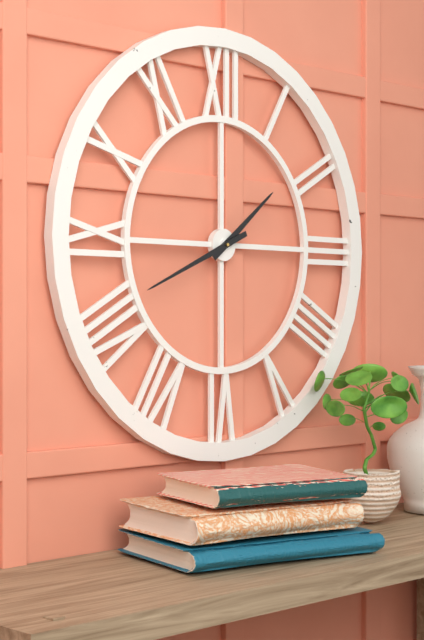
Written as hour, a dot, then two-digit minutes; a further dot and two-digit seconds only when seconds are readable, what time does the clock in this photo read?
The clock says 1.41
